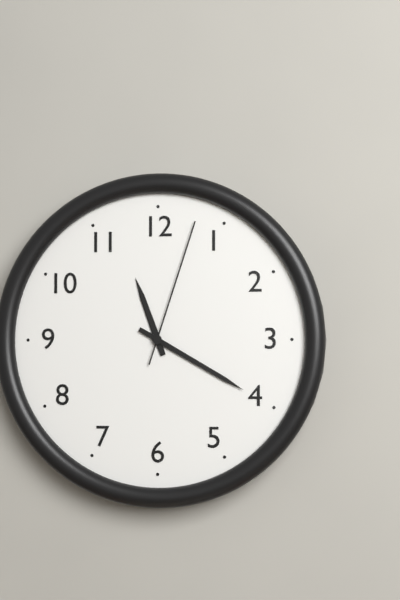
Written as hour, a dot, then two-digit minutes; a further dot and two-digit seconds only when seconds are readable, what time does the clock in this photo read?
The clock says 11.20.03
